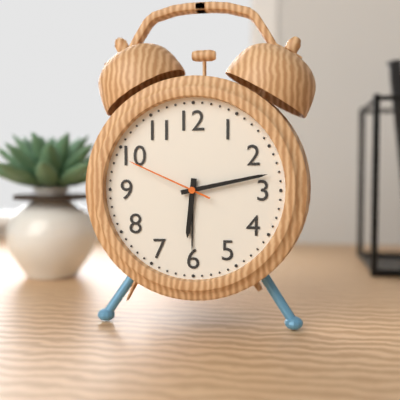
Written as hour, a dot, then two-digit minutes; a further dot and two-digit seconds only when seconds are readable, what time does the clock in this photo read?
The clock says 6.13.49
